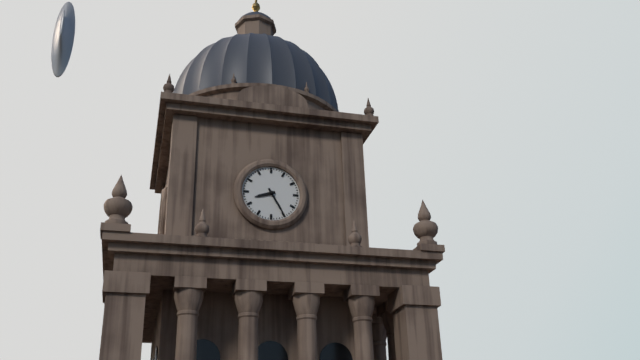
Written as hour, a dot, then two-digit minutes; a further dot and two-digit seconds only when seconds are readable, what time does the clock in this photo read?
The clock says 8.25
